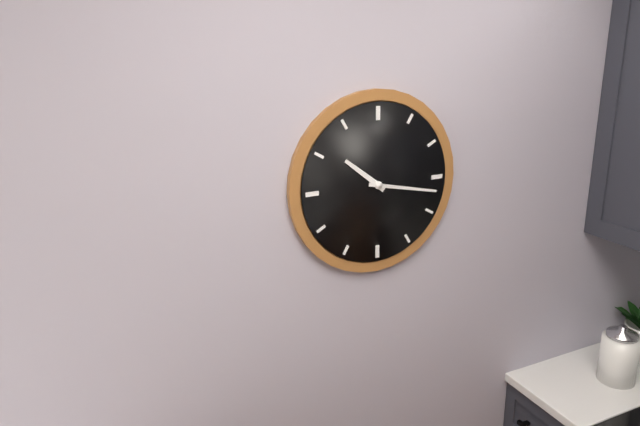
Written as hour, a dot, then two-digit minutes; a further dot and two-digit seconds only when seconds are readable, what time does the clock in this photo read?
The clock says 10.17
